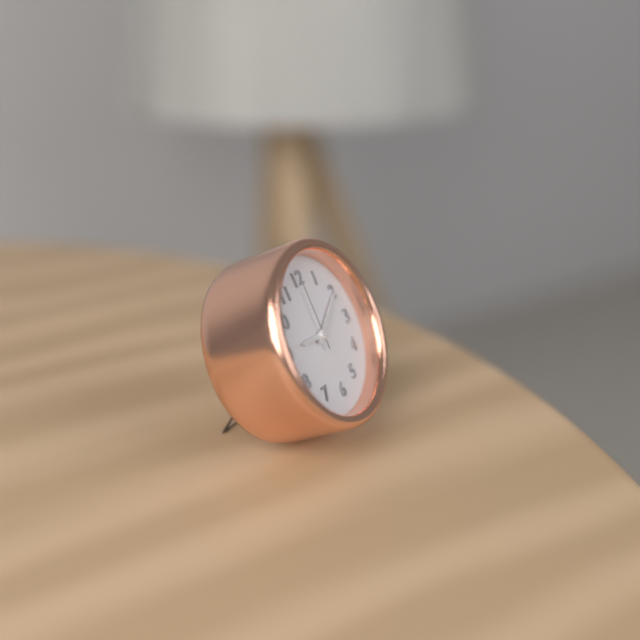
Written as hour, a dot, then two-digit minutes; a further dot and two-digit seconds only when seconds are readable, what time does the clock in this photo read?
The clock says 9.10.00
